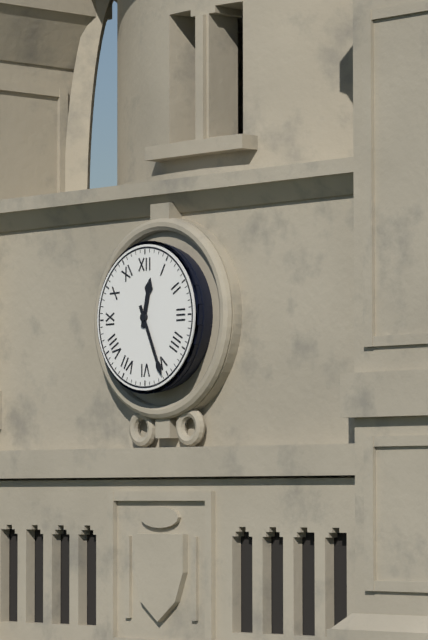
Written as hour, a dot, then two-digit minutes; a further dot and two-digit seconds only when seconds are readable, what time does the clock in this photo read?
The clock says 12.26
